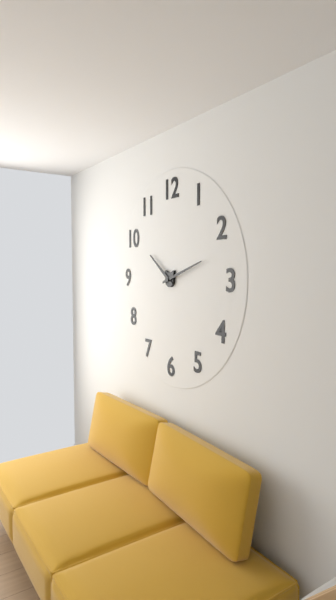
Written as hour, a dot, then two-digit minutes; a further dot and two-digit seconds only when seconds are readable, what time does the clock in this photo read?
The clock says 10.12
